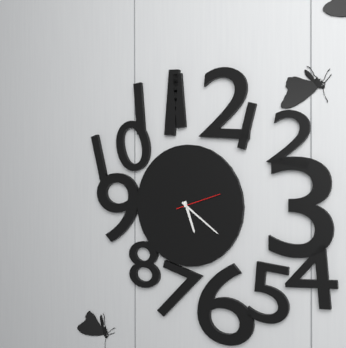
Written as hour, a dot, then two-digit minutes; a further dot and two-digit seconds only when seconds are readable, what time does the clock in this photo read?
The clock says 5.21
